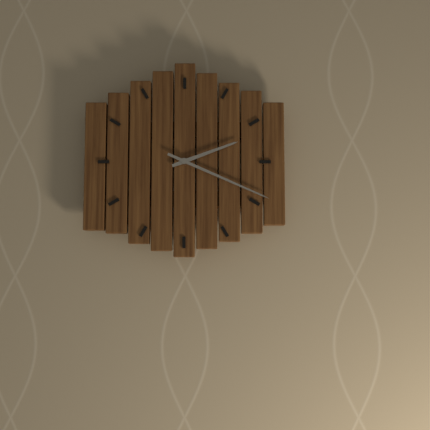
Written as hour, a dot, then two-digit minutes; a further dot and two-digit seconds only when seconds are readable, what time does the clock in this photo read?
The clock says 2.19
